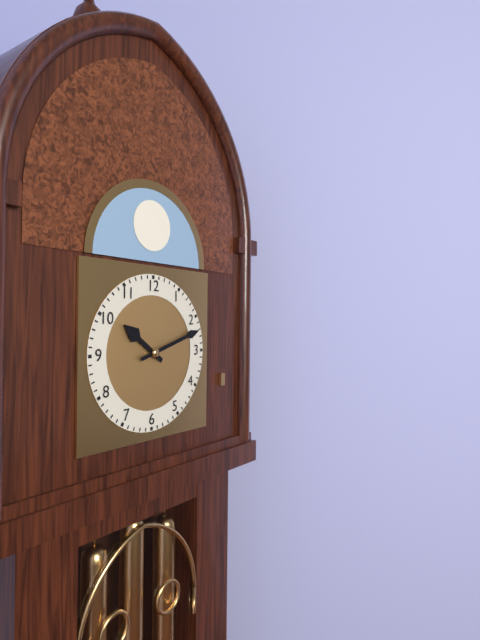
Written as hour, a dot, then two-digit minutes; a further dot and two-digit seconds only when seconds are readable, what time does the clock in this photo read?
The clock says 10.12
